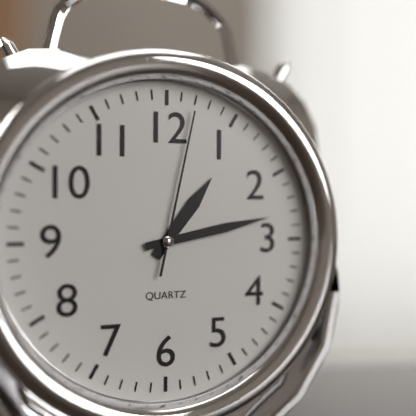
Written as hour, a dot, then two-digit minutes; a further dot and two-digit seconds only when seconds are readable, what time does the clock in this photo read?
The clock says 1.13.02
